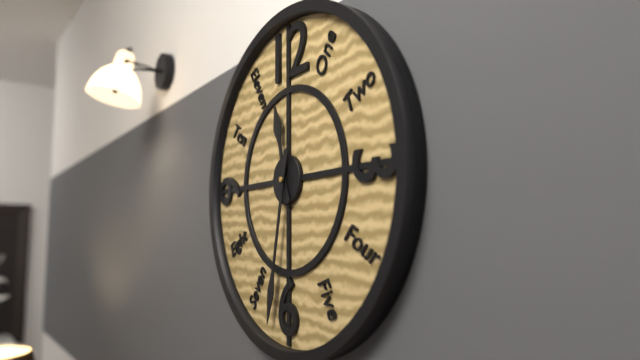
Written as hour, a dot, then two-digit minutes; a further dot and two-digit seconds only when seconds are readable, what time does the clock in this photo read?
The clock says 11.32
